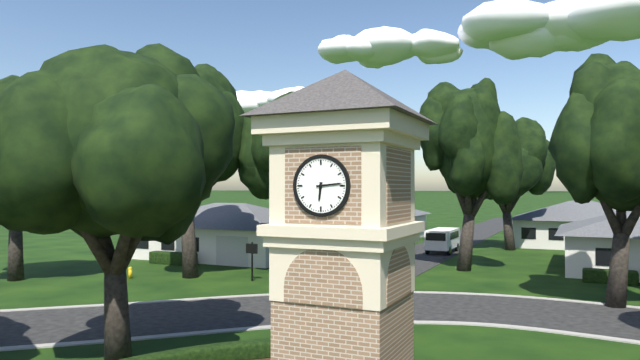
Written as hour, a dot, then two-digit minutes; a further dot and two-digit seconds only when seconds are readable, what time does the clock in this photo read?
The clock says 6.14
